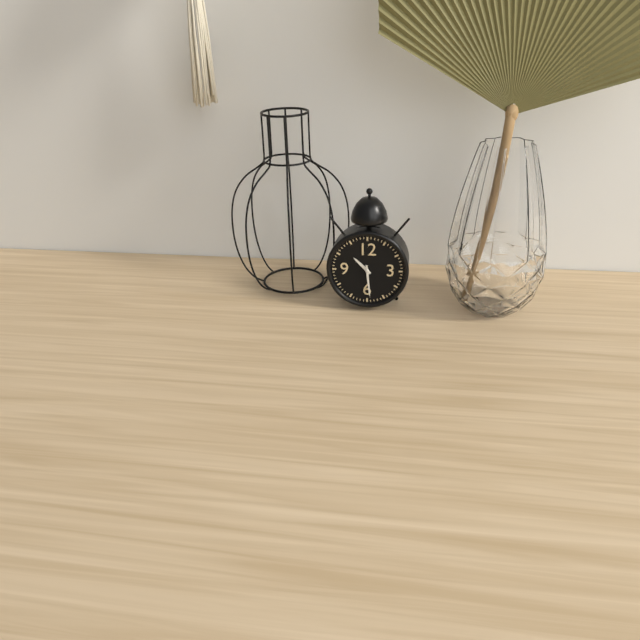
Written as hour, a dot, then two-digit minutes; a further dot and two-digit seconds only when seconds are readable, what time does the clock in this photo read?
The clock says 10.29
